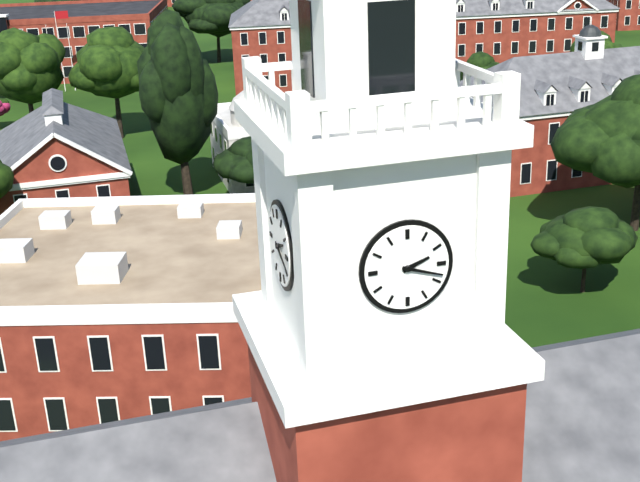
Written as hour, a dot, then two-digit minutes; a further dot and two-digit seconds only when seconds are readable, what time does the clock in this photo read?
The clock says 2.18
